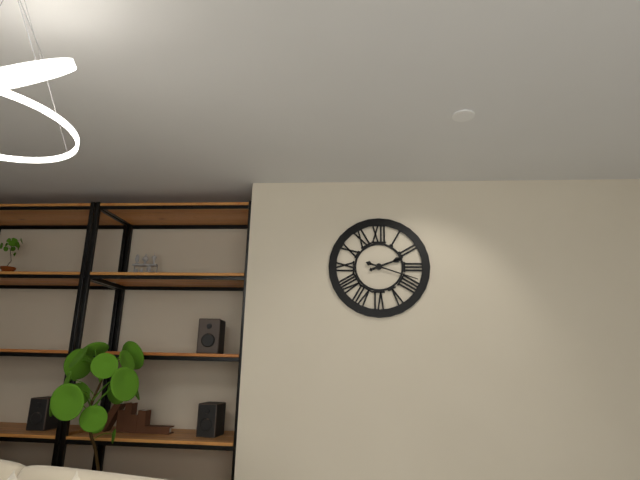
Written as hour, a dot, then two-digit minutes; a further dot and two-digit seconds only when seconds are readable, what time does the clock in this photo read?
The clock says 2.18
